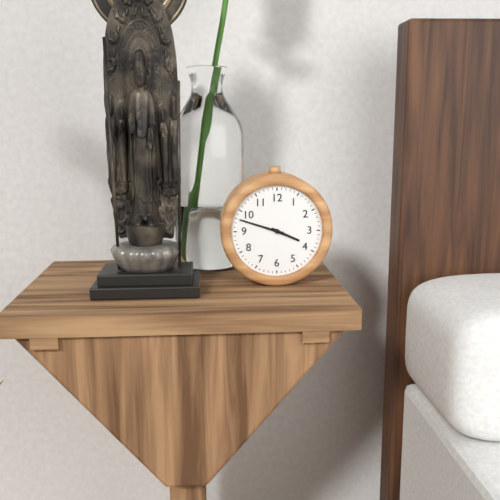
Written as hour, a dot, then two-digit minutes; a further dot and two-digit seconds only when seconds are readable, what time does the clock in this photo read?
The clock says 3.48
